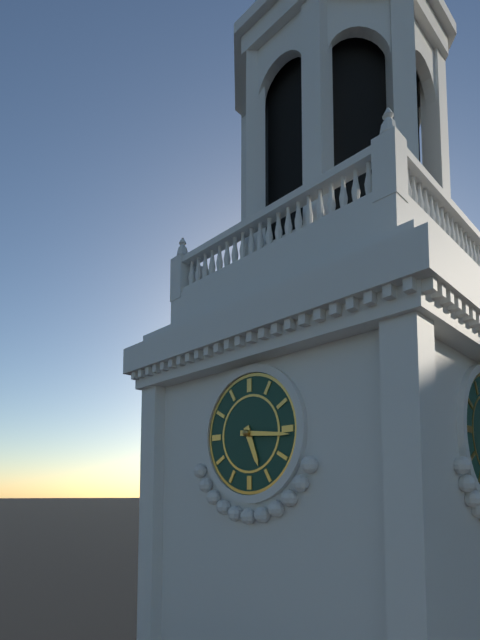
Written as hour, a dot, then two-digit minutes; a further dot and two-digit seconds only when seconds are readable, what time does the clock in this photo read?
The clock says 5.16
